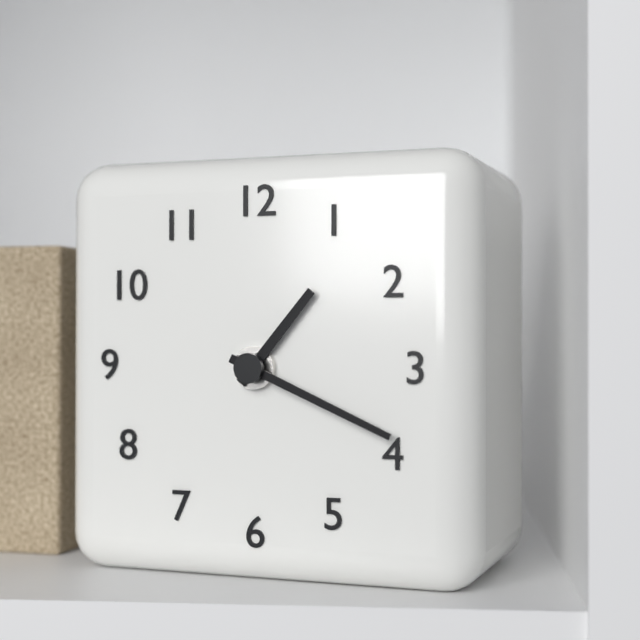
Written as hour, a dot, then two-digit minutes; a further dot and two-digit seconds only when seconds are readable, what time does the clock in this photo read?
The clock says 1.19
